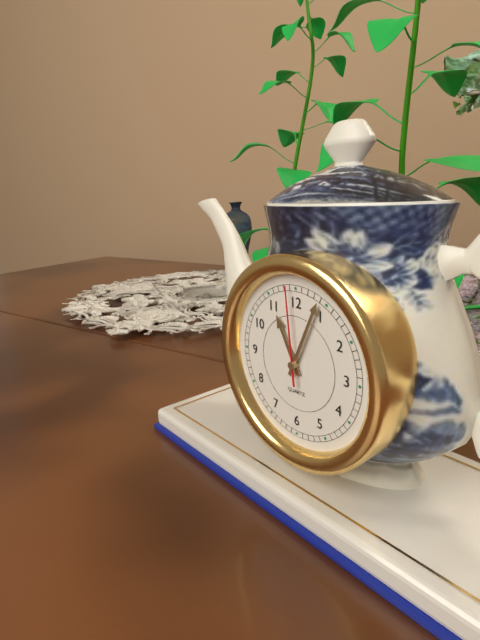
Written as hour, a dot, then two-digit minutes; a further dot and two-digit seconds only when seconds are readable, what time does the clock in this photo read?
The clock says 11.04.59
